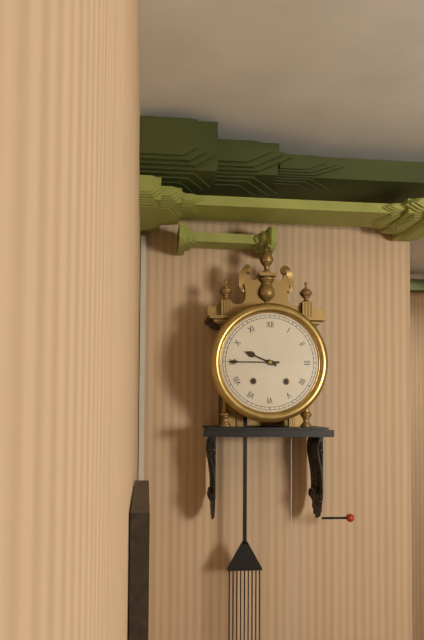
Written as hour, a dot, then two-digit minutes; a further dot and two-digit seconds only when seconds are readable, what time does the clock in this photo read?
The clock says 9.45
